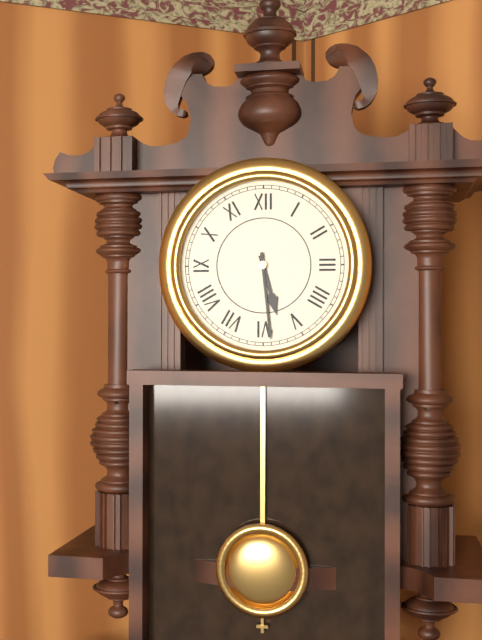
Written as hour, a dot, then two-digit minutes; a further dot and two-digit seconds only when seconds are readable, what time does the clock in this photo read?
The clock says 5.29
